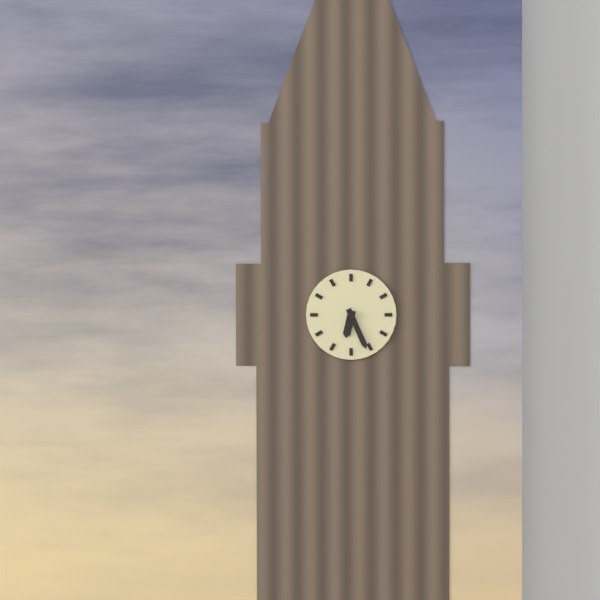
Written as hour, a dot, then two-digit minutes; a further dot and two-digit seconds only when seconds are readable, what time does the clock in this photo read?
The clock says 6.26
